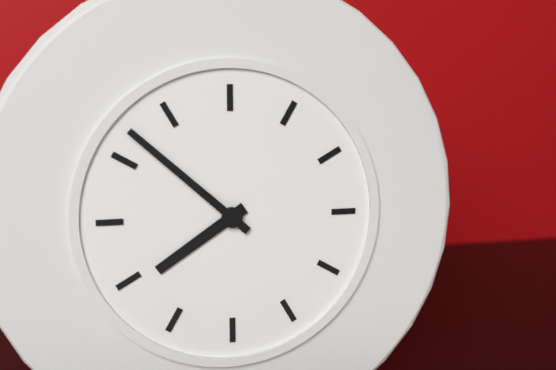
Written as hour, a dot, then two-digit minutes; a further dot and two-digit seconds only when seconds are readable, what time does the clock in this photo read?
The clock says 7.52
